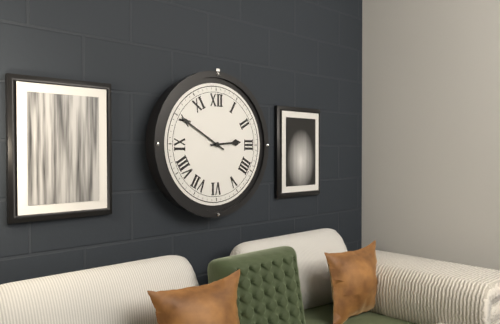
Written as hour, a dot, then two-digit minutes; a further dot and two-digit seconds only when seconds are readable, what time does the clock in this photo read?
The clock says 2.50
